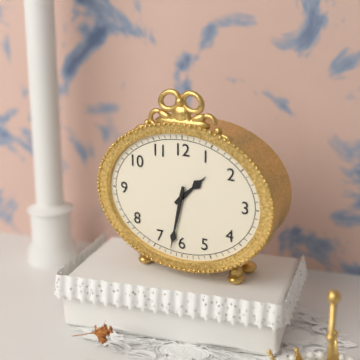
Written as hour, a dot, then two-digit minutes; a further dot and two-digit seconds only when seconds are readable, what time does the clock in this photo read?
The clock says 1.32
